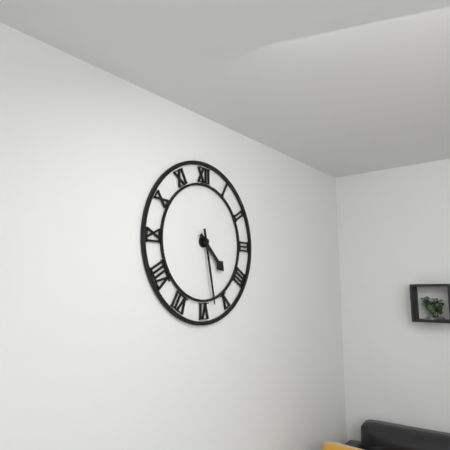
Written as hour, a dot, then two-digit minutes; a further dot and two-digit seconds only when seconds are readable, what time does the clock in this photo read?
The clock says 4.28
